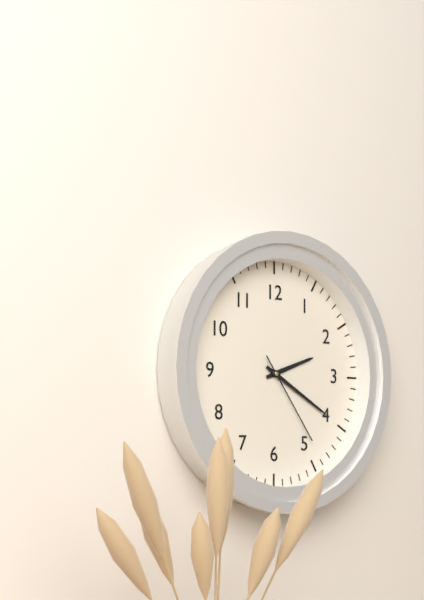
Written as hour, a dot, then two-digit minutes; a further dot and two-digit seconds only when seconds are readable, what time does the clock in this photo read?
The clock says 2.20.24
